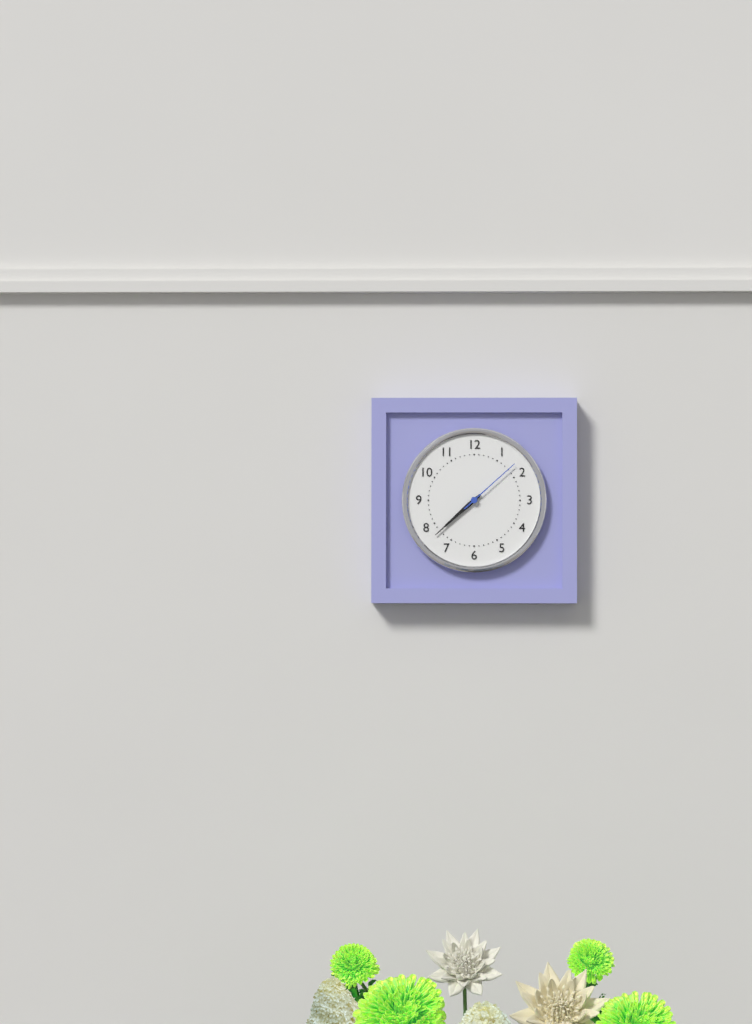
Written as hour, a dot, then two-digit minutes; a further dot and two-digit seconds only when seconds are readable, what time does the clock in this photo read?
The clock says 7.38.08
